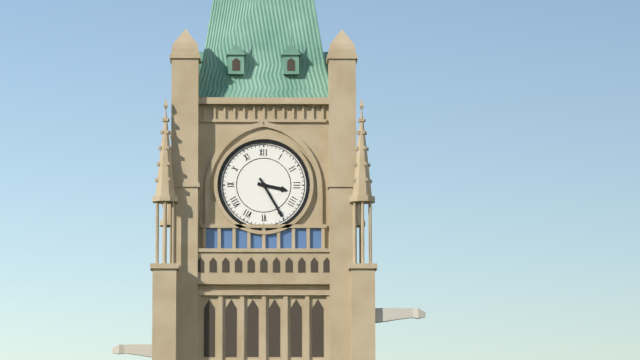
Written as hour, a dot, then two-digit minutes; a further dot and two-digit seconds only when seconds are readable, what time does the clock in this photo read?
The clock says 3.25
